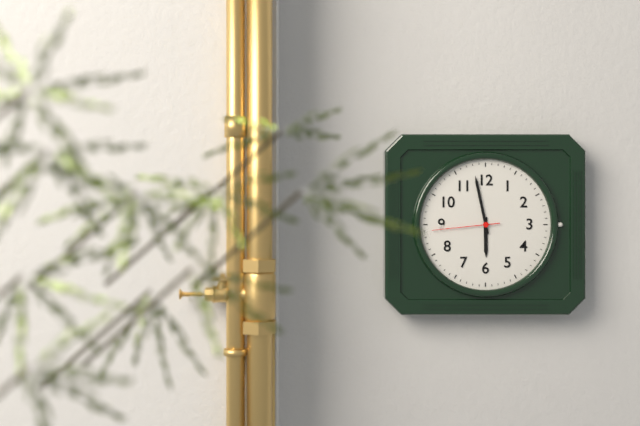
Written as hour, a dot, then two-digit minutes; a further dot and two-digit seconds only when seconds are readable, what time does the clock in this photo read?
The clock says 5.58.44
